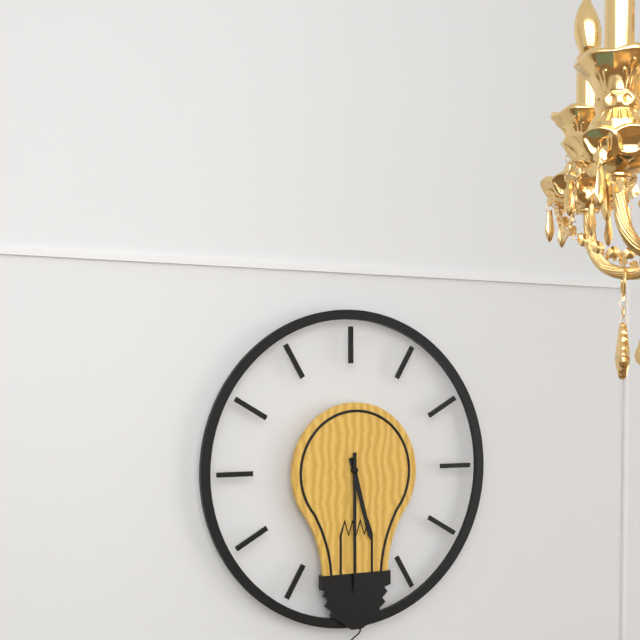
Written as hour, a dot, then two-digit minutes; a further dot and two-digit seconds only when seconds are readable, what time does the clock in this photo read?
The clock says 5.30
